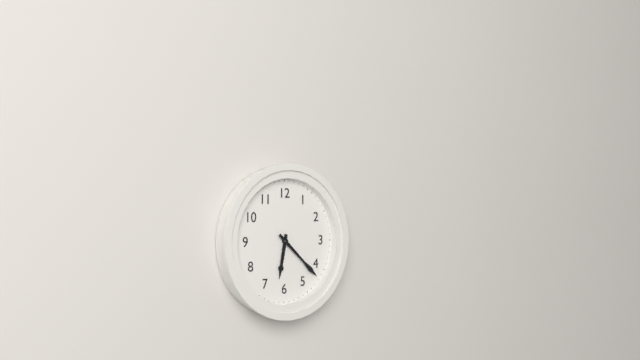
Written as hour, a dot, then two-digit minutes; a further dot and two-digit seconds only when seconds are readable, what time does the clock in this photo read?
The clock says 6.22
